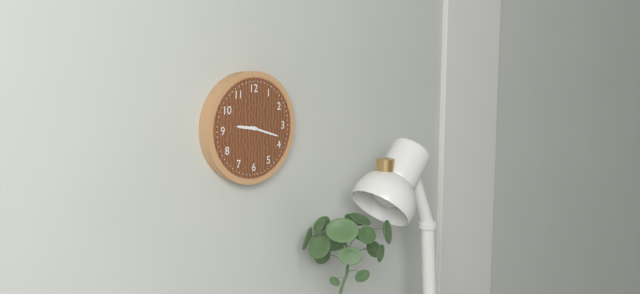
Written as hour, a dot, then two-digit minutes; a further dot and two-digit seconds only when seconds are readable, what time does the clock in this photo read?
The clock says 9.18
